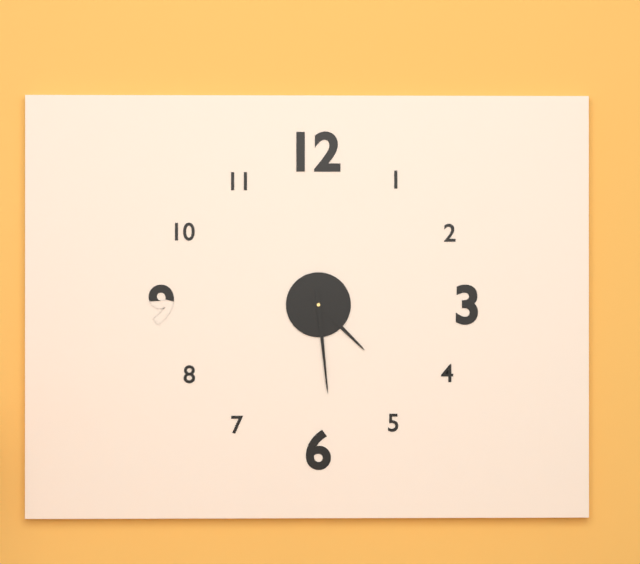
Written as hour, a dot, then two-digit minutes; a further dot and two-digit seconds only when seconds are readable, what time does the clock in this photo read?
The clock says 4.29
